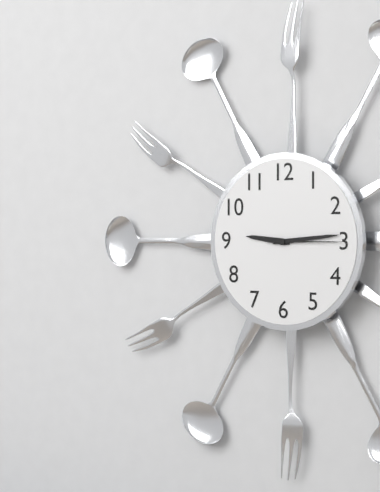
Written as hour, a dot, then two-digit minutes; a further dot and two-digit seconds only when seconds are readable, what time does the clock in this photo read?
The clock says 9.14.15
